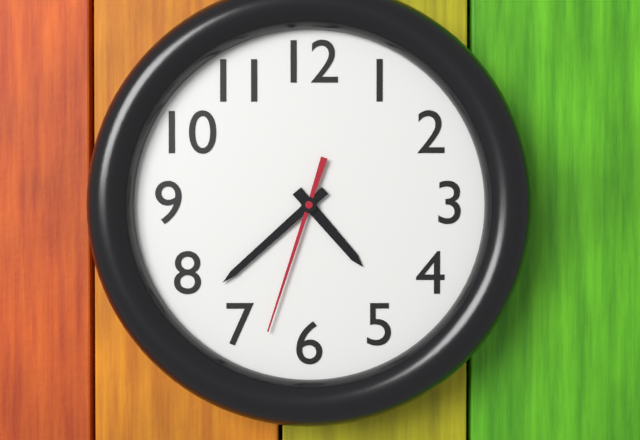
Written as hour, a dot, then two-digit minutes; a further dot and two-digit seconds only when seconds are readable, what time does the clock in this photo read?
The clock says 4.38.33
